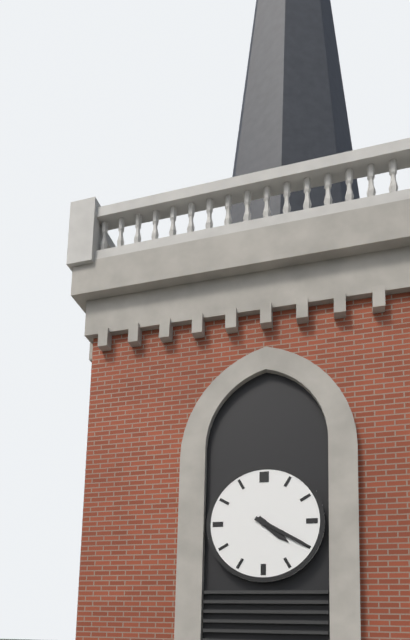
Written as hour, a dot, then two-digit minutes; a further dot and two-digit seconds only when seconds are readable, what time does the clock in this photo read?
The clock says 4.20
